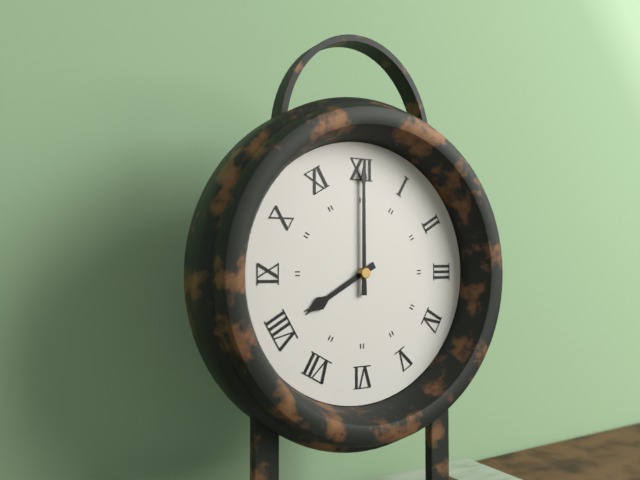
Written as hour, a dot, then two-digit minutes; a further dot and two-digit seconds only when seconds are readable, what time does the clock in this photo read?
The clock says 8.00
